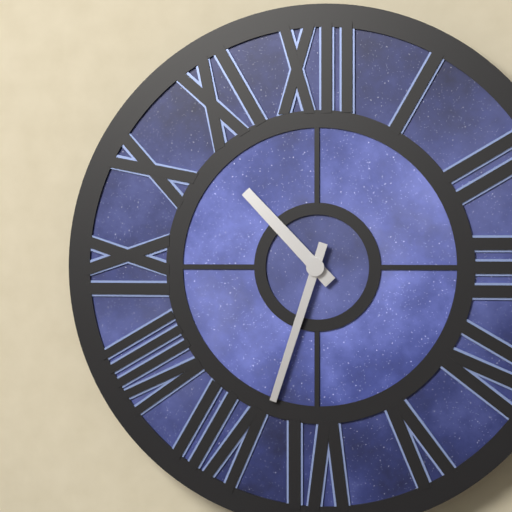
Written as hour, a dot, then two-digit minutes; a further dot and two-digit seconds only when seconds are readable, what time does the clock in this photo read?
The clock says 10.33
